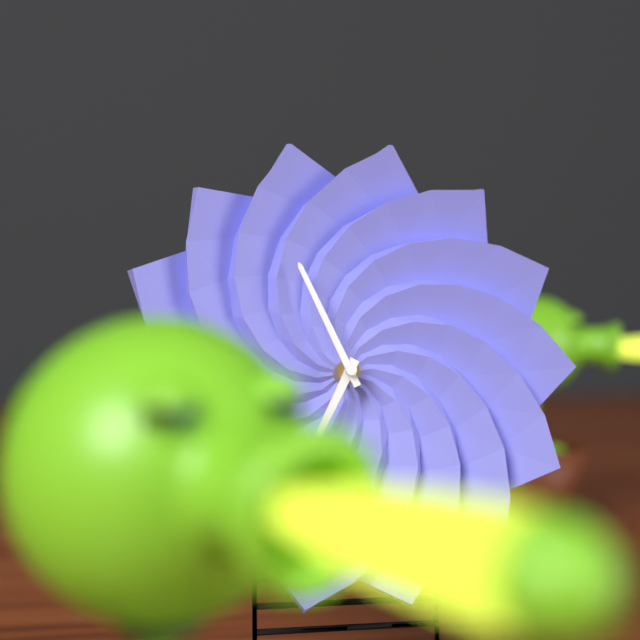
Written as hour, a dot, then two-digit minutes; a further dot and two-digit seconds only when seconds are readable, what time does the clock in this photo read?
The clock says 6.56
